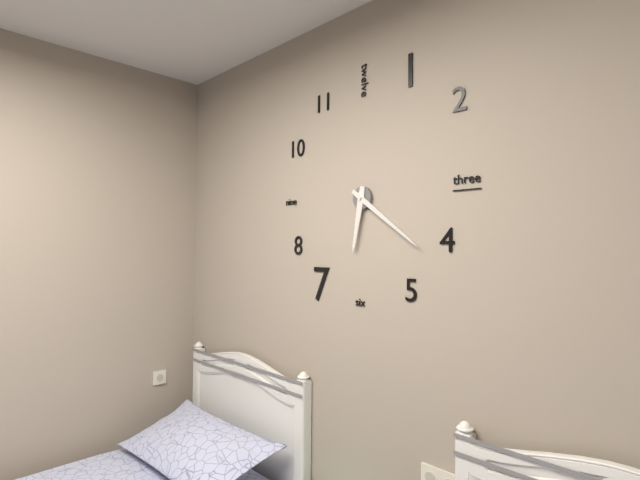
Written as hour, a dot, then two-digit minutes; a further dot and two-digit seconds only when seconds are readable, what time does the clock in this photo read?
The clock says 6.21
